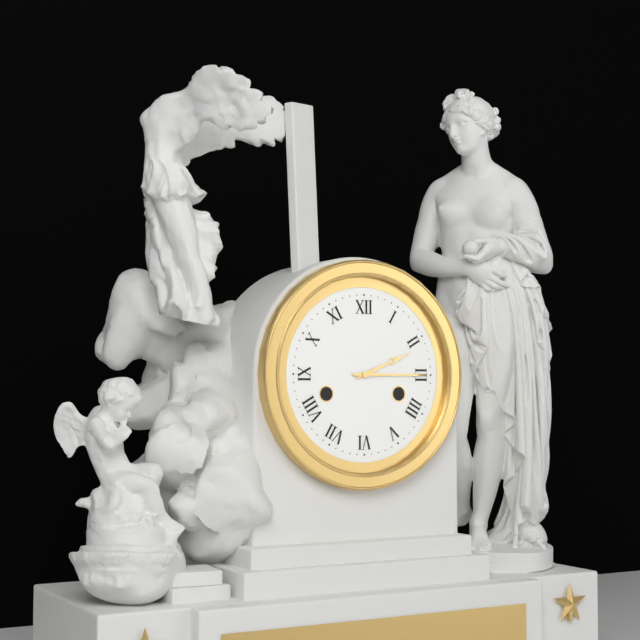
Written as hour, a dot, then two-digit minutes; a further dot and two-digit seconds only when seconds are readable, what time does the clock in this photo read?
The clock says 2.15
